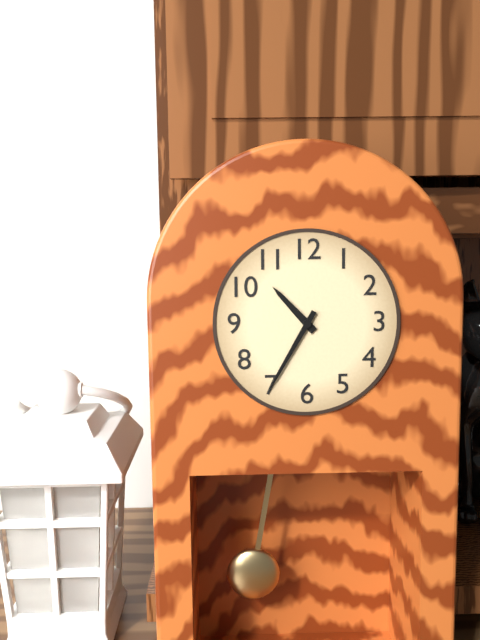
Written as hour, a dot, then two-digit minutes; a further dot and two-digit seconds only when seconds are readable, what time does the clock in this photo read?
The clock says 10.35
